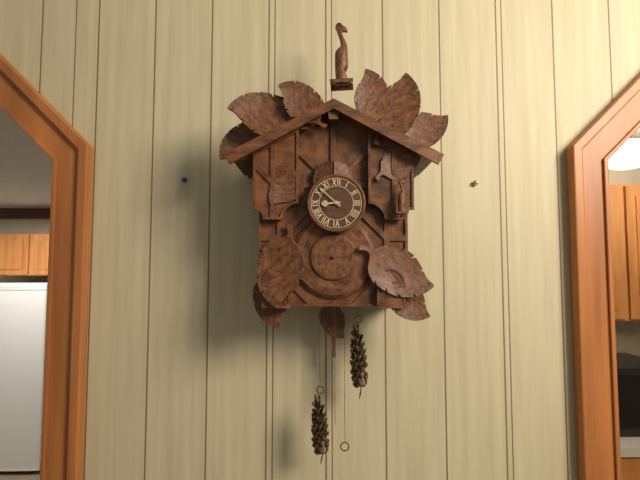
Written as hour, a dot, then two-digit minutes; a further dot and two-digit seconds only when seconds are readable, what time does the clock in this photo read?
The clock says 8.52
